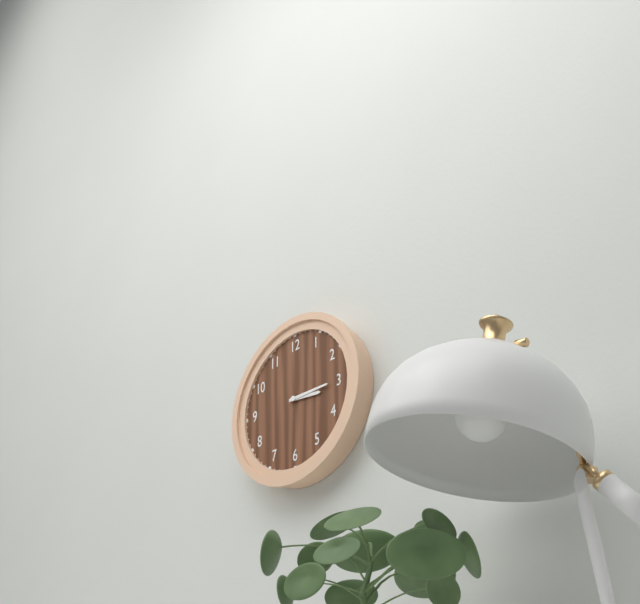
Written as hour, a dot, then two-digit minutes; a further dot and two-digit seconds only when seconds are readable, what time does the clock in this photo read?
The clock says 3.15
